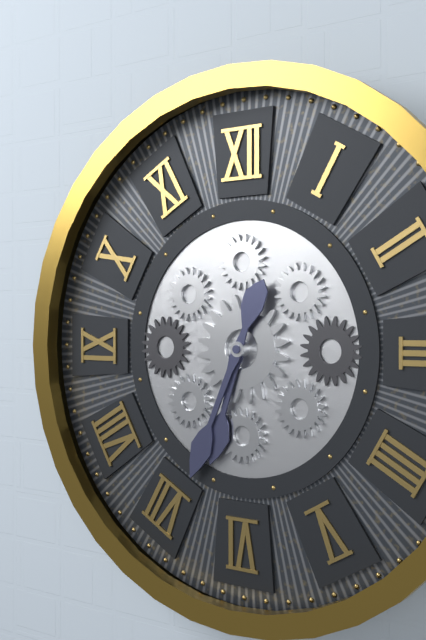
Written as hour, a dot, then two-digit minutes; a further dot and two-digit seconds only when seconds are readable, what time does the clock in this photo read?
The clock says 6.34
